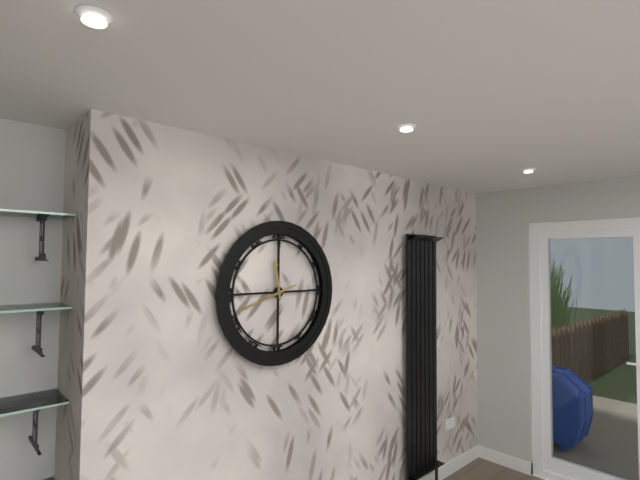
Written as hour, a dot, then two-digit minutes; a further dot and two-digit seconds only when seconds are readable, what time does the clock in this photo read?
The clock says 11.42
